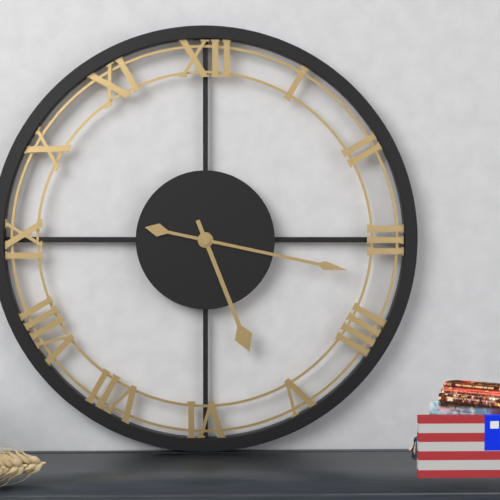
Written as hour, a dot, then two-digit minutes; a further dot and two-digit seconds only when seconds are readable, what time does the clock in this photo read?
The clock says 5.17
